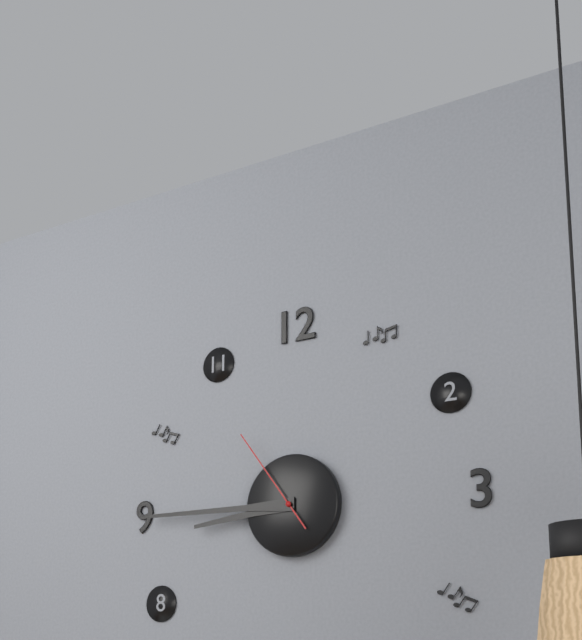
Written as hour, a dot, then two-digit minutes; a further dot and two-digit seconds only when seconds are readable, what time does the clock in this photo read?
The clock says 8.45.54
